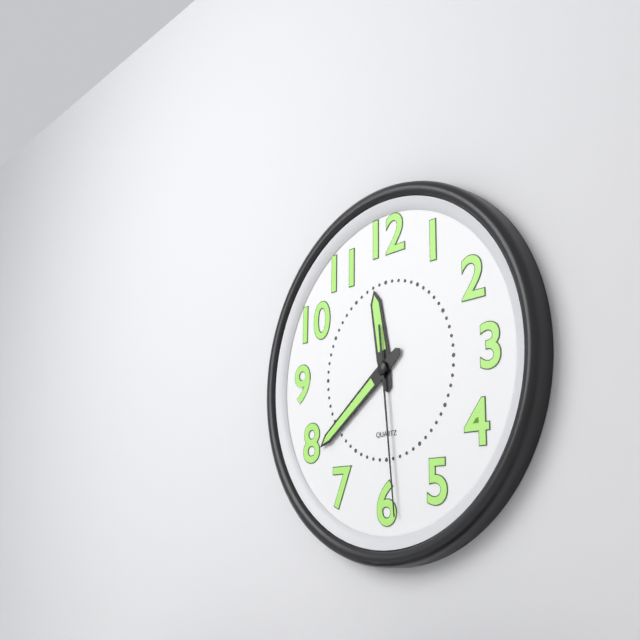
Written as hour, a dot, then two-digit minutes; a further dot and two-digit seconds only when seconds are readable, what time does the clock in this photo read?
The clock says 11.39.29
